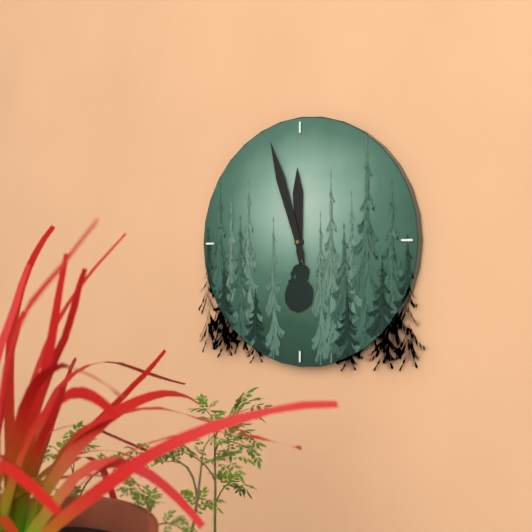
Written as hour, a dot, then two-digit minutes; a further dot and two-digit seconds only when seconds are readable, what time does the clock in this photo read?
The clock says 11.57
